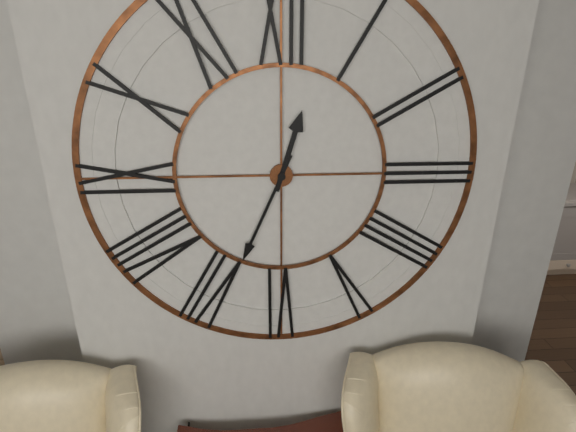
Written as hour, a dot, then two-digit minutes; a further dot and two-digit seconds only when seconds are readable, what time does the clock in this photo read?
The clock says 12.34
